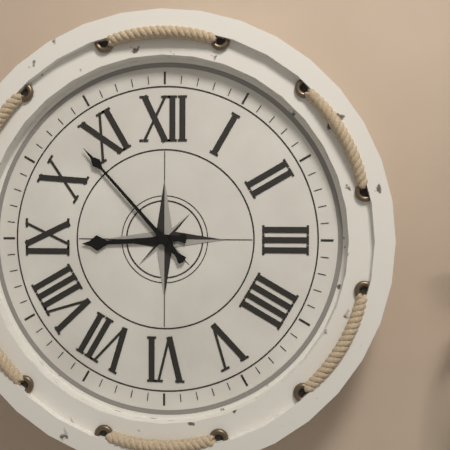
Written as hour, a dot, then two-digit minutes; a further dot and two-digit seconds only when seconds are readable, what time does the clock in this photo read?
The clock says 8.53
